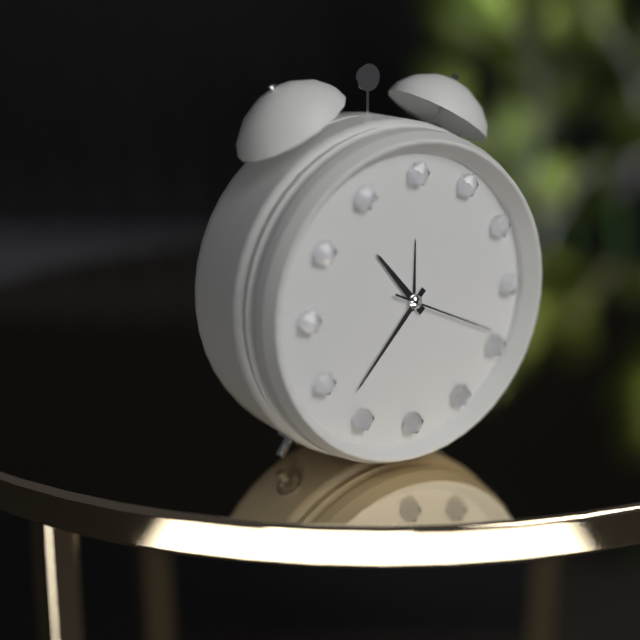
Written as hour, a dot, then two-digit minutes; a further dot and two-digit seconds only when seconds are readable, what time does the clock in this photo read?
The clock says 10.37.19
